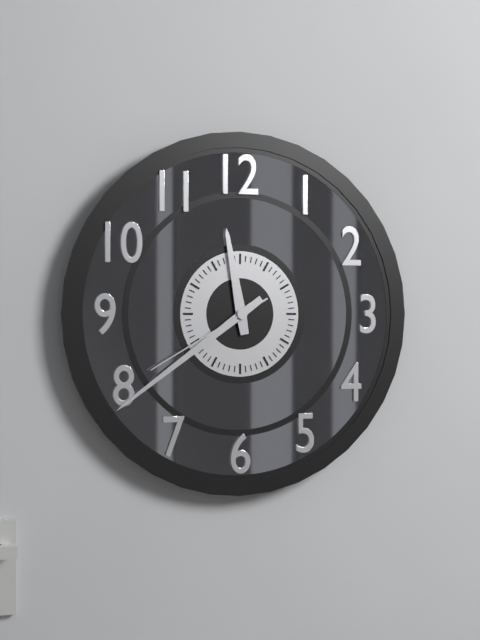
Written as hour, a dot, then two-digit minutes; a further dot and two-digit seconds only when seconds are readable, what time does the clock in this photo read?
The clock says 11.39.40
